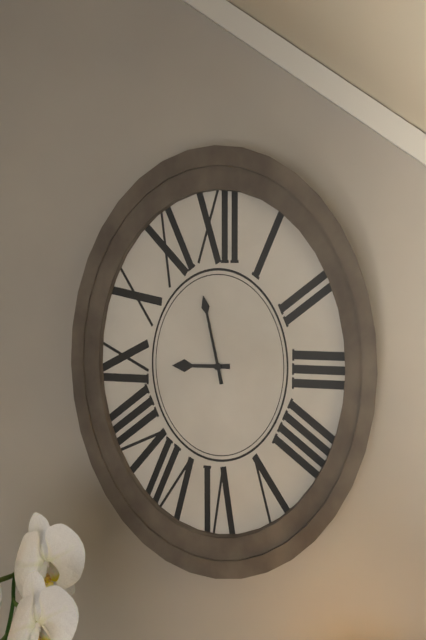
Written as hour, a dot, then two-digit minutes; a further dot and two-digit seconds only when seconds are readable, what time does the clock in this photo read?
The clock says 8.58
